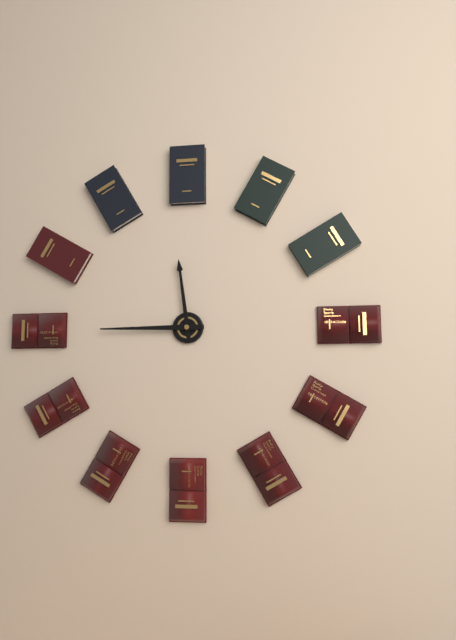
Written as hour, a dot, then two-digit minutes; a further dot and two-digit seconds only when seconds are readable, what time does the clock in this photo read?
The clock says 11.45
